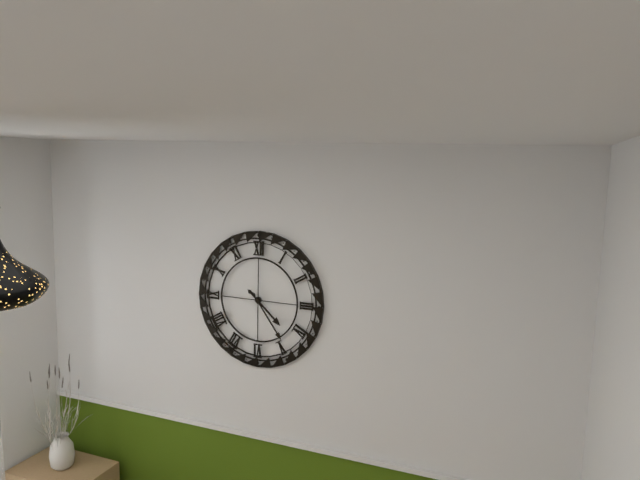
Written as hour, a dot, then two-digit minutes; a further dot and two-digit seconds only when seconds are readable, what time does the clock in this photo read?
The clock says 4.24
